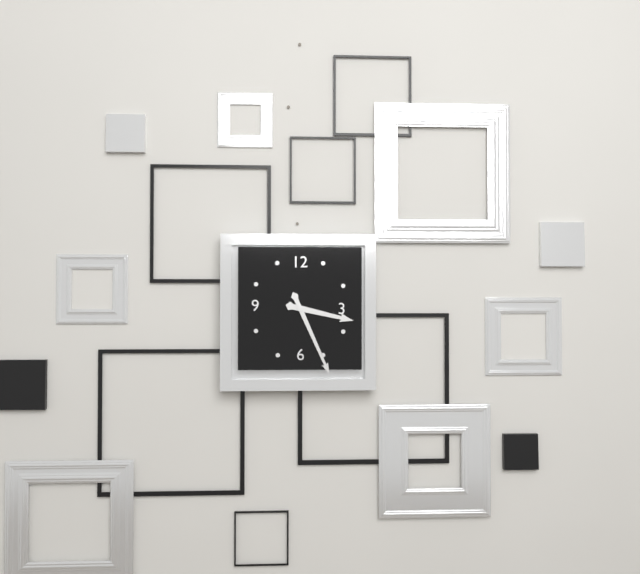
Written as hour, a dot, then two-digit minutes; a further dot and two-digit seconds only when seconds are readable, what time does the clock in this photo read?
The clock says 3.26
